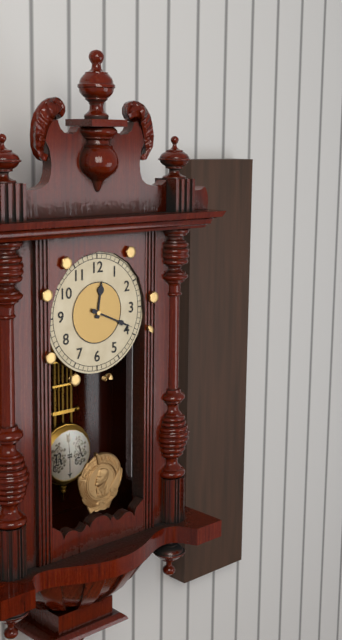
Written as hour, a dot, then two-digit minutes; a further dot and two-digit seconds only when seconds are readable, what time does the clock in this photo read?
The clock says 12.19
